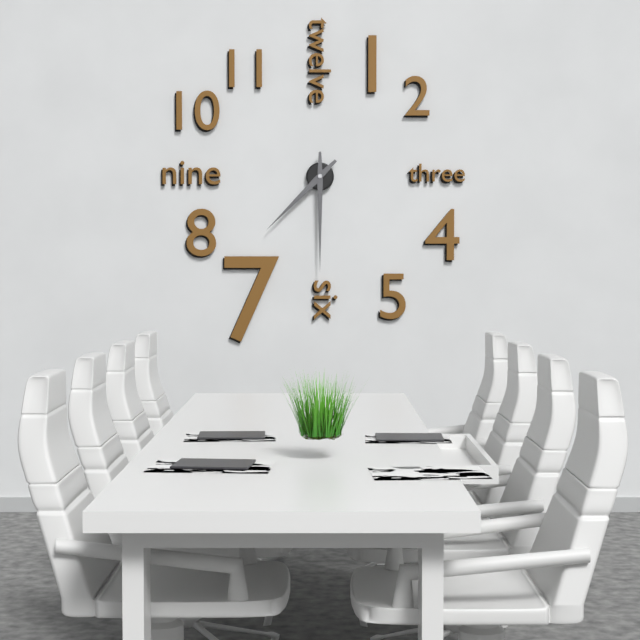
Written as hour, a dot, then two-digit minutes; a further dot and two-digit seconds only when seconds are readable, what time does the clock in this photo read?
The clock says 7.30
